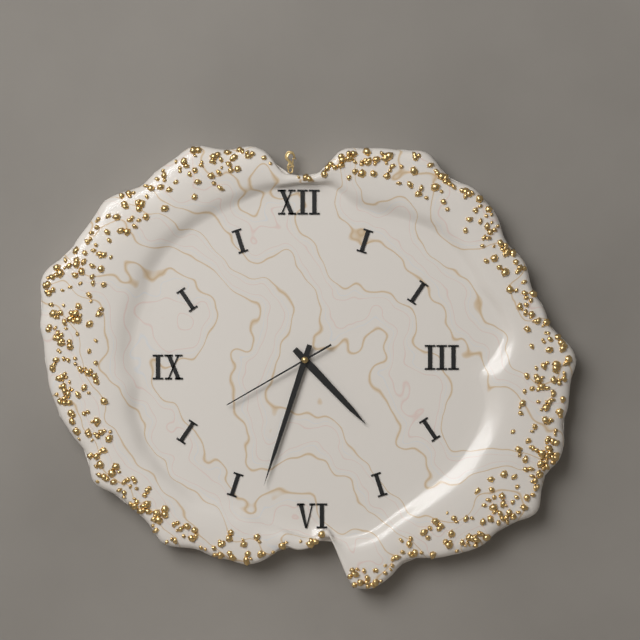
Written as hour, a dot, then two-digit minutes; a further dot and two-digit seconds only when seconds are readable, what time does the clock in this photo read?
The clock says 4.33.40
